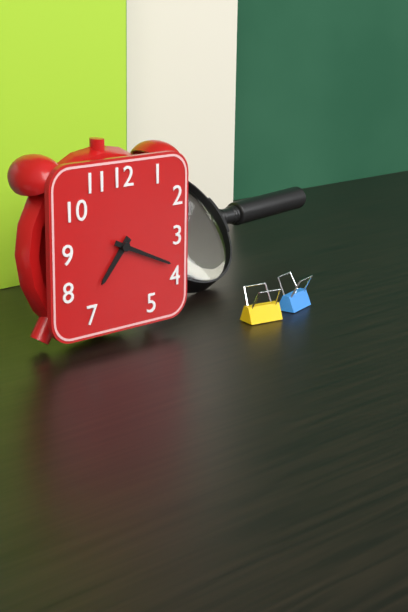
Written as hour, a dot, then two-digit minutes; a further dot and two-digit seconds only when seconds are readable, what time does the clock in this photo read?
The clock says 7.19
